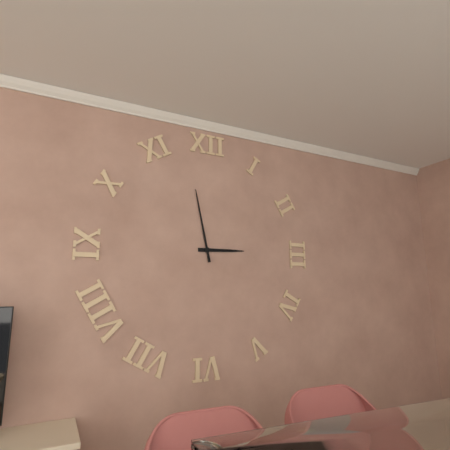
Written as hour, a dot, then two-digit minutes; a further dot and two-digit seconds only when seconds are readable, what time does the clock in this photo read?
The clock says 2.58
